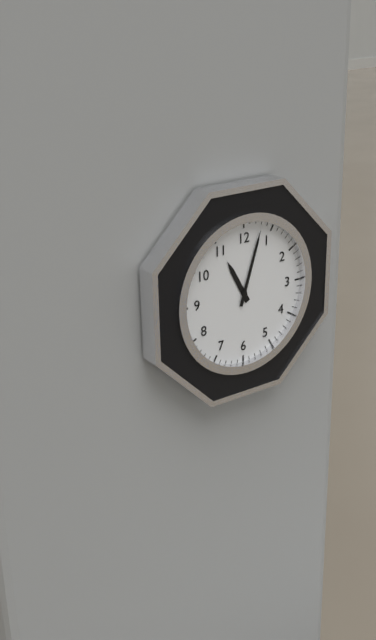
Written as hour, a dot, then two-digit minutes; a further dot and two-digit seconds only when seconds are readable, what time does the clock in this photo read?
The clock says 11.03
